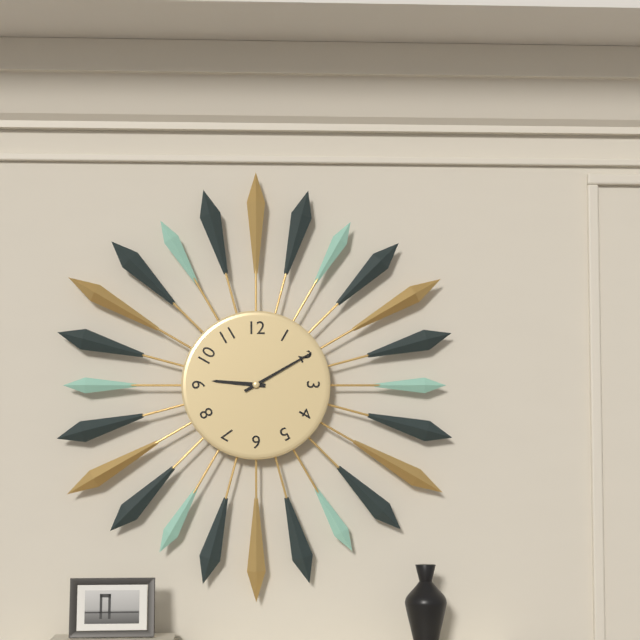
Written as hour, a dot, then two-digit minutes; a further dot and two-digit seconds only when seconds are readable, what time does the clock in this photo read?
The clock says 9.10
